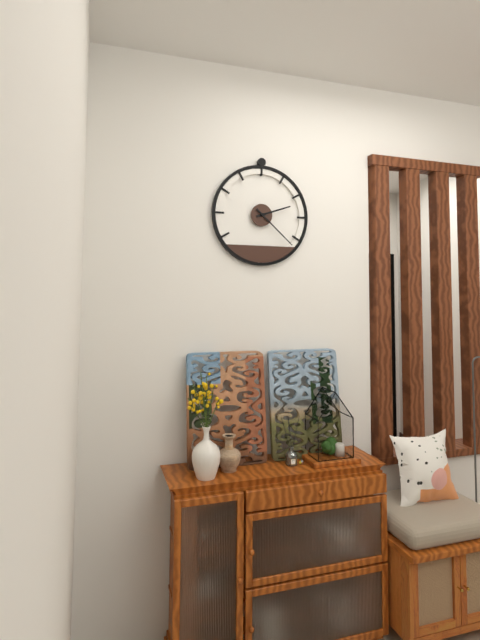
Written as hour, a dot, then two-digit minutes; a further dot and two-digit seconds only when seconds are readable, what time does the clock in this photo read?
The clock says 2.22
